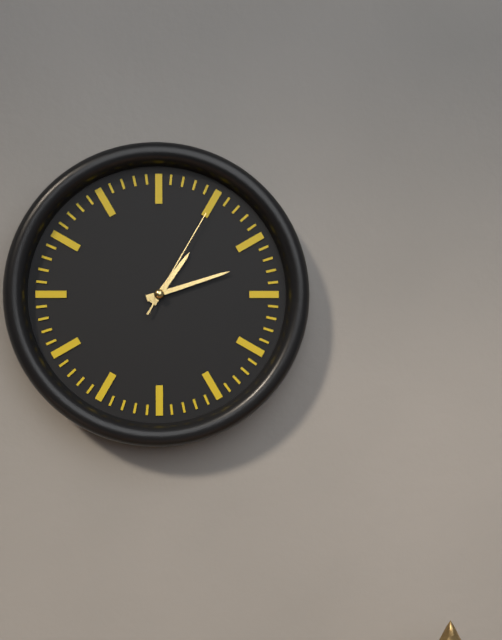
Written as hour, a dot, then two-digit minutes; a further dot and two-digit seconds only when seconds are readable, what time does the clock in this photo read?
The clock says 1.12.05
